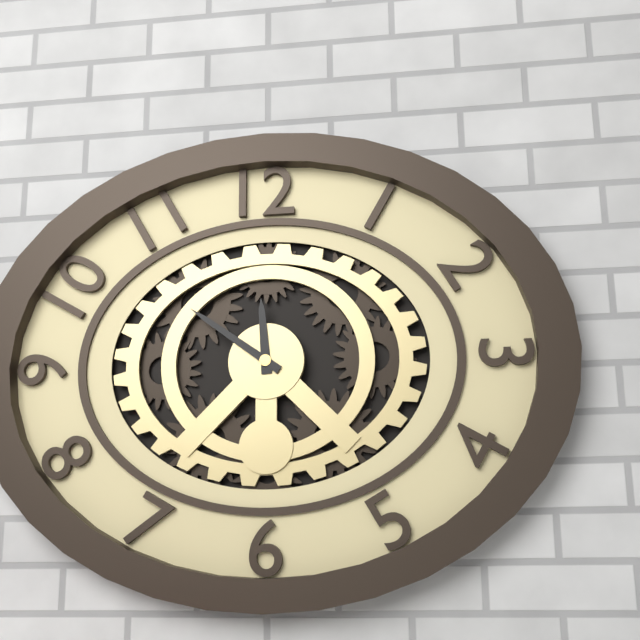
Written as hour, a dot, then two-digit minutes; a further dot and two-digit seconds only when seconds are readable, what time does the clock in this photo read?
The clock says 11.51
